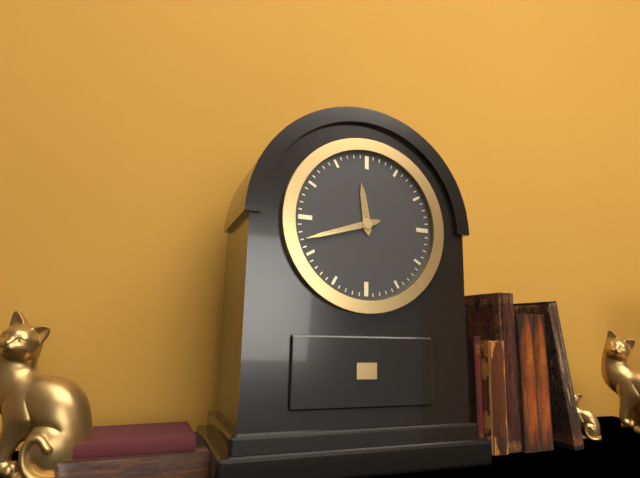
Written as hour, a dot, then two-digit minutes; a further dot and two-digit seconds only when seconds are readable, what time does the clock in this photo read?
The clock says 11.42
